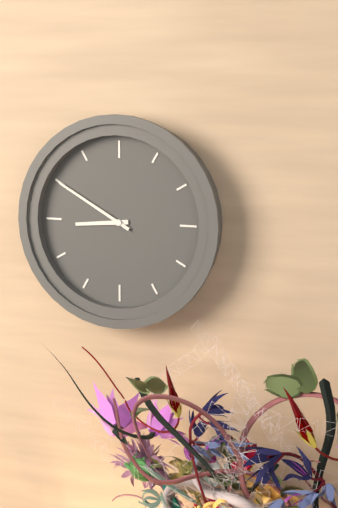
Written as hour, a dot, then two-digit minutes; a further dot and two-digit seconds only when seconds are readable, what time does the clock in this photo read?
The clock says 8.50
